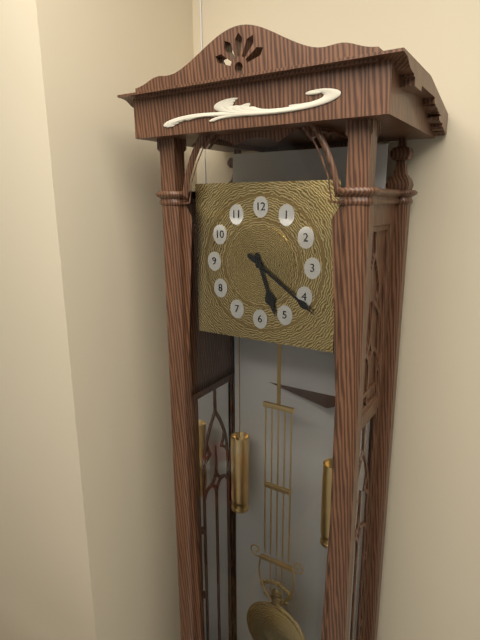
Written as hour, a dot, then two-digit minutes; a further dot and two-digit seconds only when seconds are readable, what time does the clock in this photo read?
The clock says 5.21
